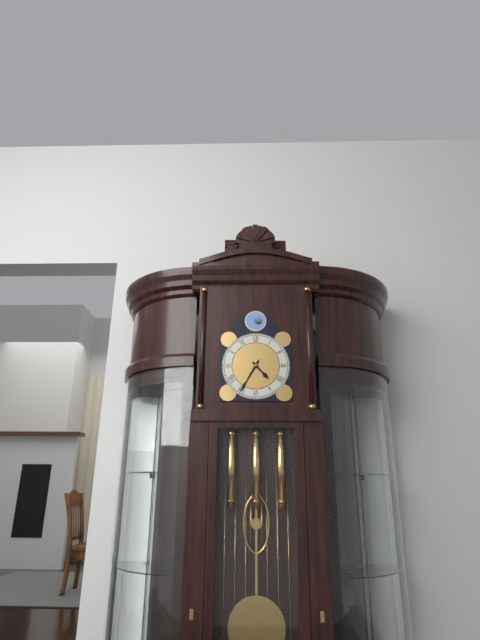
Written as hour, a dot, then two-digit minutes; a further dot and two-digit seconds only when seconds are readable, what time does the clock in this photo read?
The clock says 4.35
